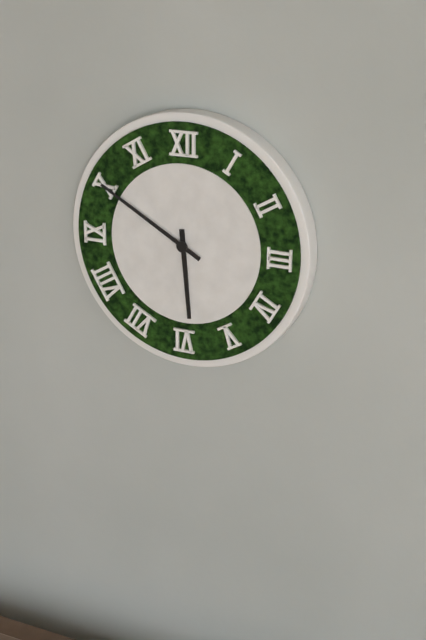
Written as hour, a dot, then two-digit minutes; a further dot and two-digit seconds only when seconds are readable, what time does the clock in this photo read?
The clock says 5.50
